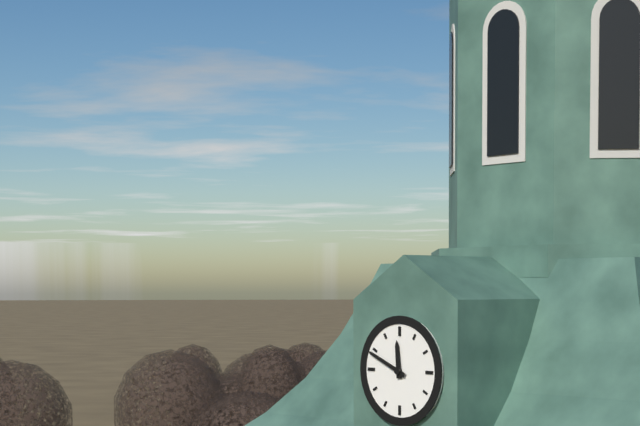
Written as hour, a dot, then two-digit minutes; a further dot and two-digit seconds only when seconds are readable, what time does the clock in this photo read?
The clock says 11.49
